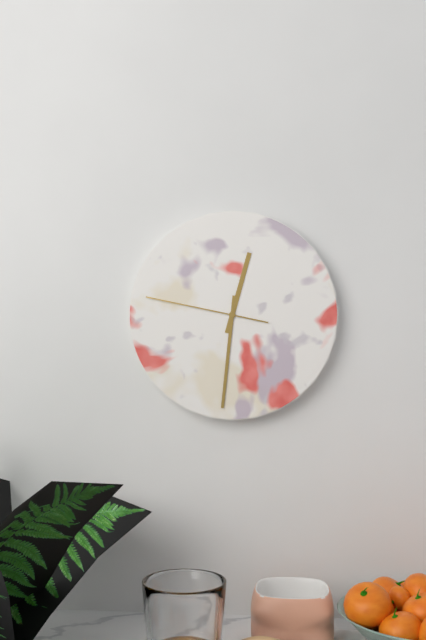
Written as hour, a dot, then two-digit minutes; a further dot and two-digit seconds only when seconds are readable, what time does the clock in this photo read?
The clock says 12.31.47
